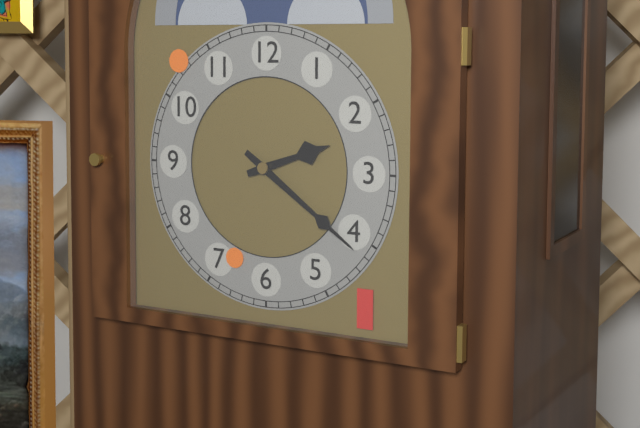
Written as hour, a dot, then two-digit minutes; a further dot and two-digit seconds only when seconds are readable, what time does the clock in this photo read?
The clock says 2.21
